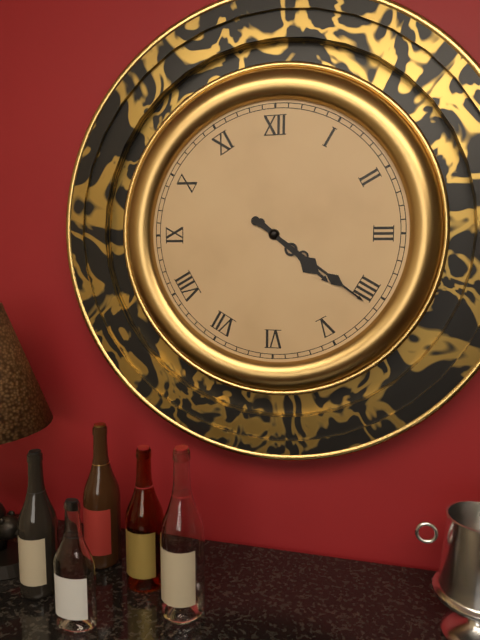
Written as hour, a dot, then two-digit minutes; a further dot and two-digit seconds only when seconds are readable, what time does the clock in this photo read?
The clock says 4.21
